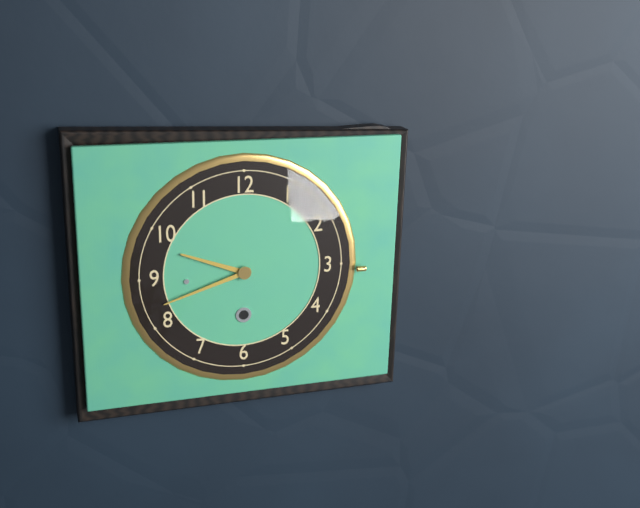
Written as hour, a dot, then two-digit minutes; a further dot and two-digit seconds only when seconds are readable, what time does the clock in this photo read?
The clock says 9.42
